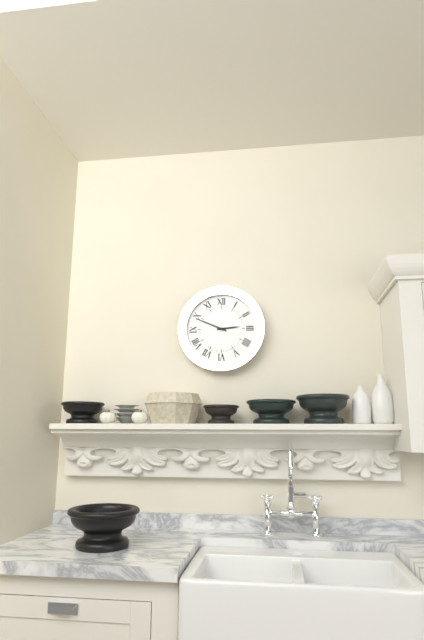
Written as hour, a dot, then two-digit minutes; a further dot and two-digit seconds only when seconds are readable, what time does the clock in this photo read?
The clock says 2.49
